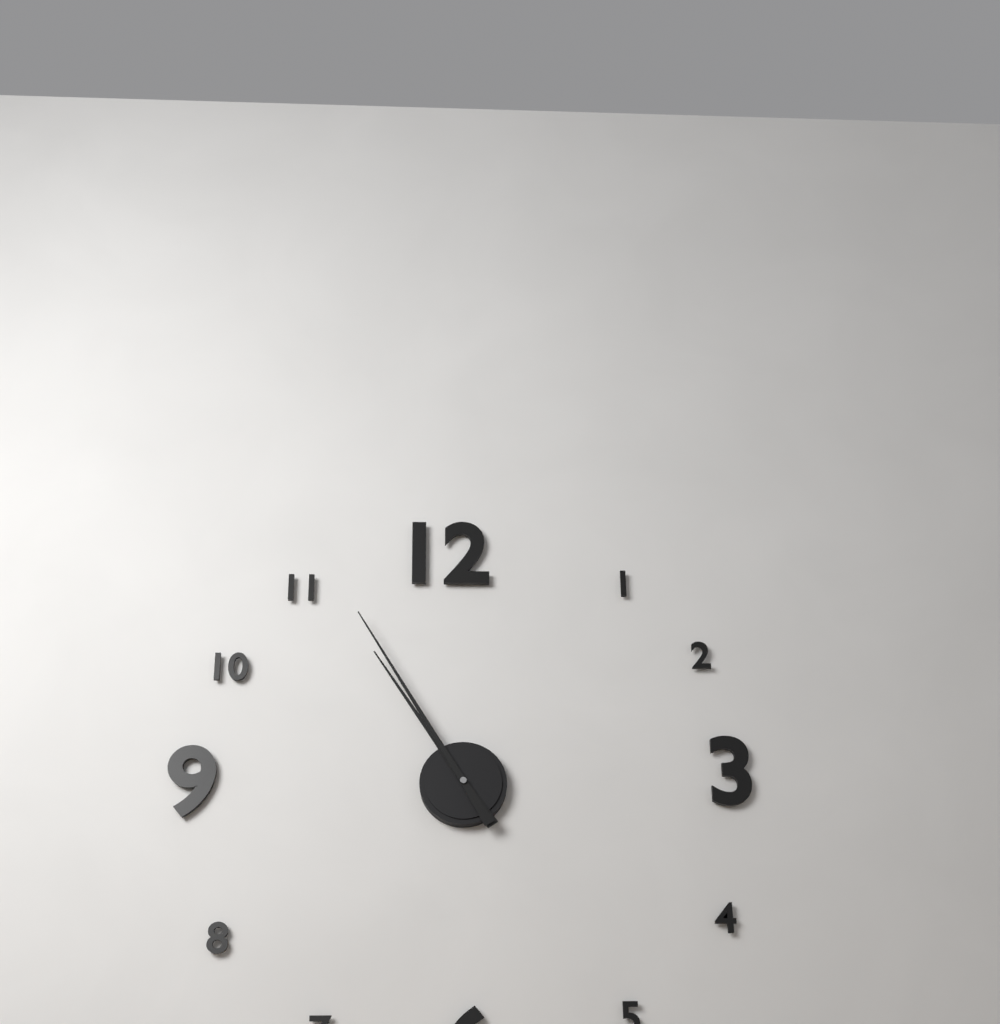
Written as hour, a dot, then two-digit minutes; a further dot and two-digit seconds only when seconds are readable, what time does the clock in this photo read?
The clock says 10.55
